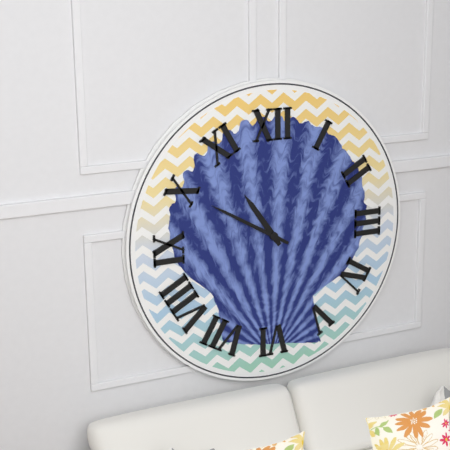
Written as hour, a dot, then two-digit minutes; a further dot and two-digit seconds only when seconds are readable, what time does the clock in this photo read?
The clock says 10.50
